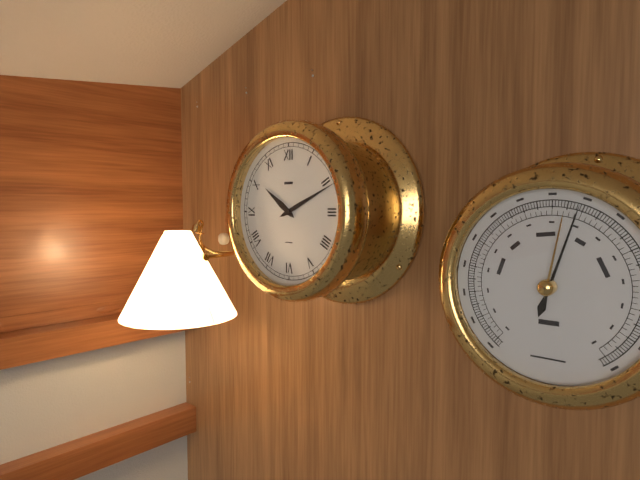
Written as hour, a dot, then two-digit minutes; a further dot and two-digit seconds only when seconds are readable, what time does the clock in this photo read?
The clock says 10.11
